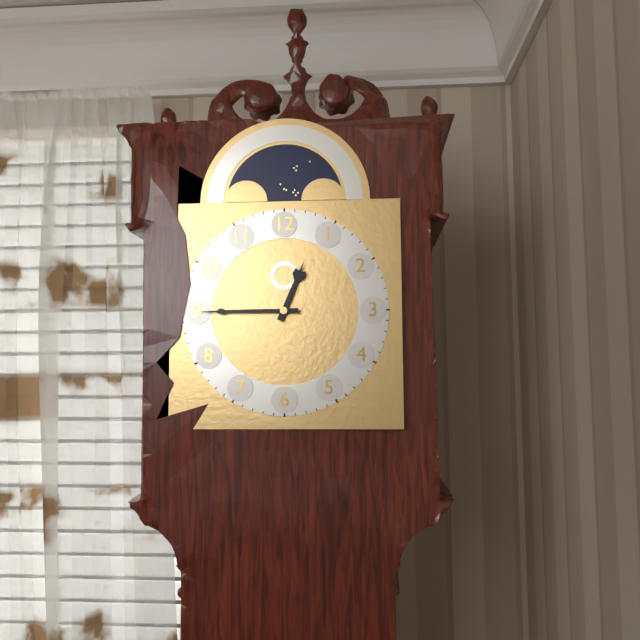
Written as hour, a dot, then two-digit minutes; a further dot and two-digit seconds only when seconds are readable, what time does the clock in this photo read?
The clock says 12.45
